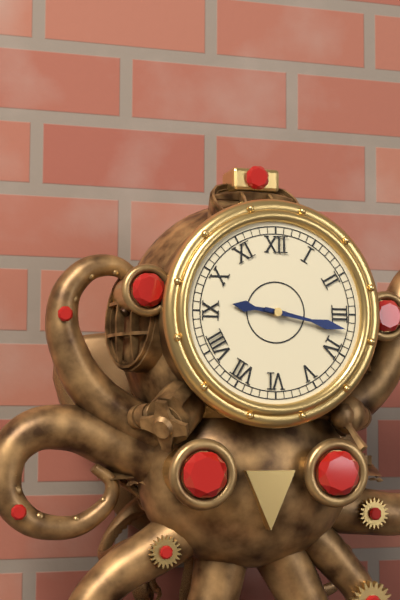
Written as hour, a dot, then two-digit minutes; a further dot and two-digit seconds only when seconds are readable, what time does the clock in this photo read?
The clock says 9.17
